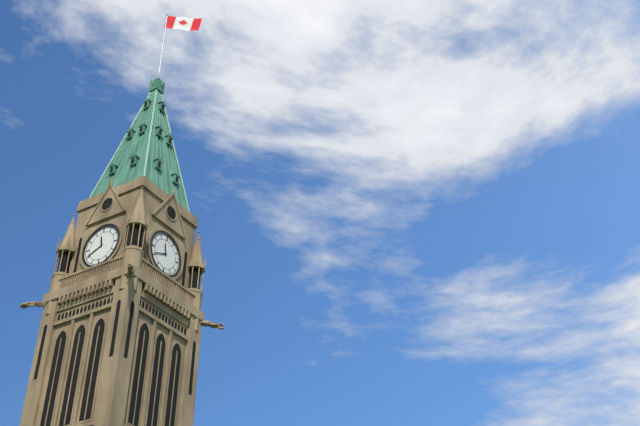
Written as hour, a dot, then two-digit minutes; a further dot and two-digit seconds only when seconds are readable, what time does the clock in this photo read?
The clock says 11.41
